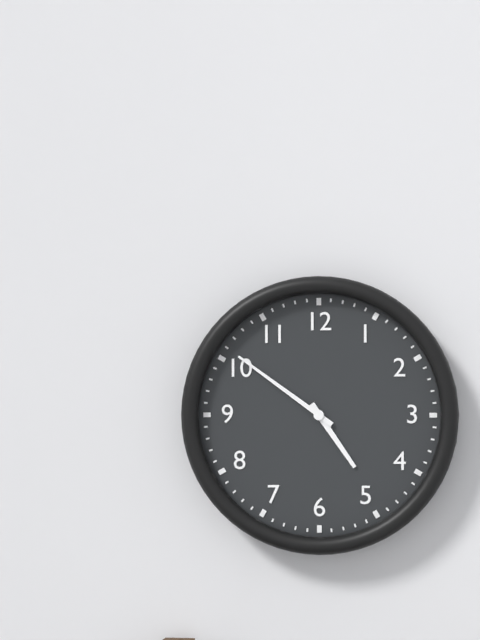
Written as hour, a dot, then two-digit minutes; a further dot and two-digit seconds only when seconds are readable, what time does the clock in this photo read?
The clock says 4.51
